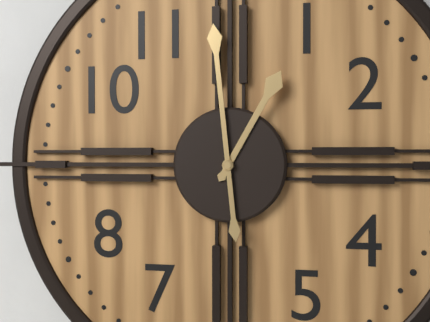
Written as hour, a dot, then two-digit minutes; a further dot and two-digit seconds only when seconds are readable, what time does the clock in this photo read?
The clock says 12.59
